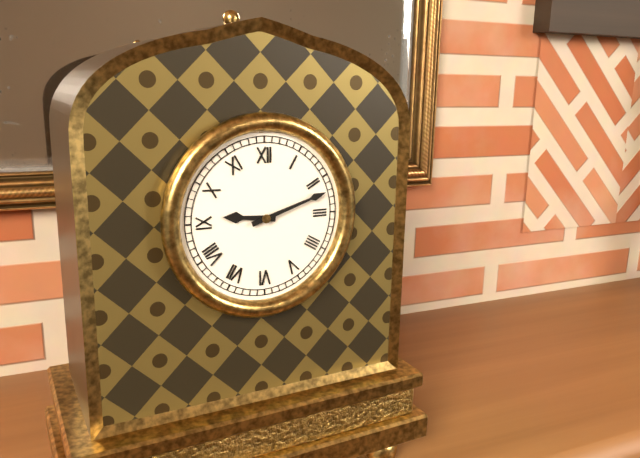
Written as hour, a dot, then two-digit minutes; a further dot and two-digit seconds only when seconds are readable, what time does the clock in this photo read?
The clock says 9.12
